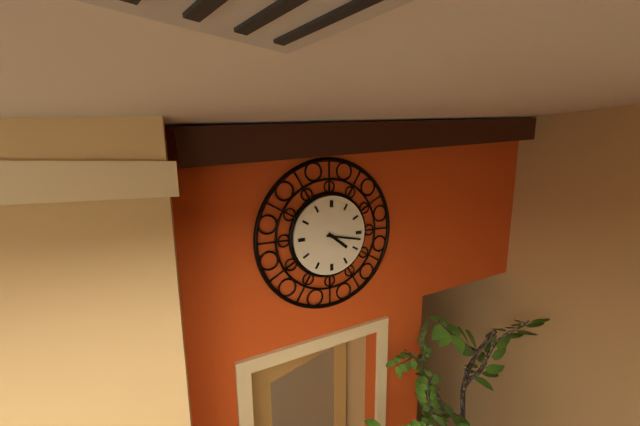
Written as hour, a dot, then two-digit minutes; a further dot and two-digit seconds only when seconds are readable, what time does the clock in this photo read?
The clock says 4.17
